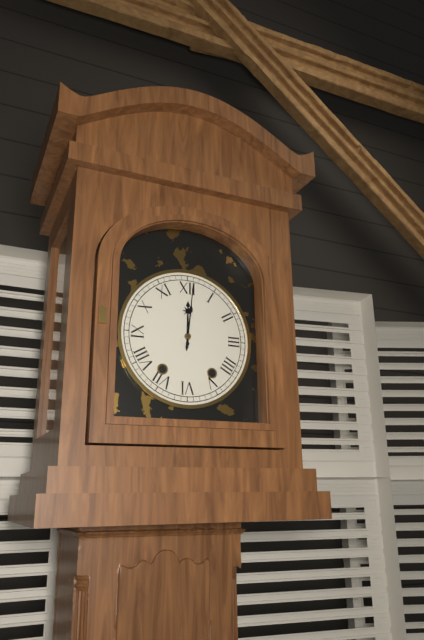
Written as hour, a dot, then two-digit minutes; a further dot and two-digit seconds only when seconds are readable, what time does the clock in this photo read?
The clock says 12.01
